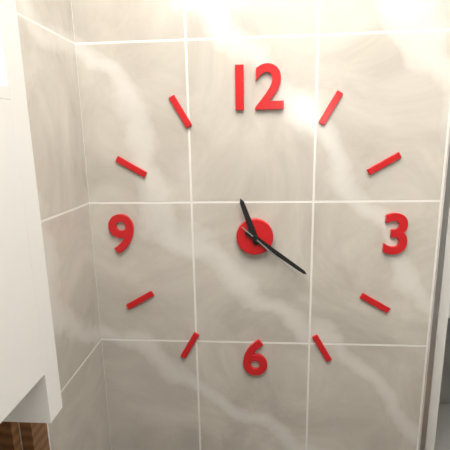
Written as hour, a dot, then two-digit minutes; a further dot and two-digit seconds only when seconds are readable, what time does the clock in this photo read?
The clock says 11.21.22
